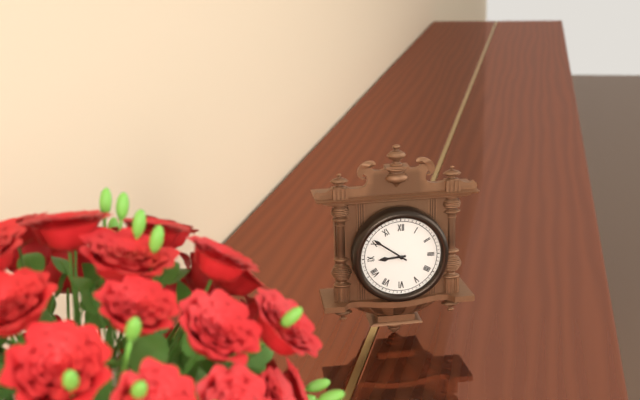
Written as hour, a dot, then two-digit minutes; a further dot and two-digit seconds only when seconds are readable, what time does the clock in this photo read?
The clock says 8.51
